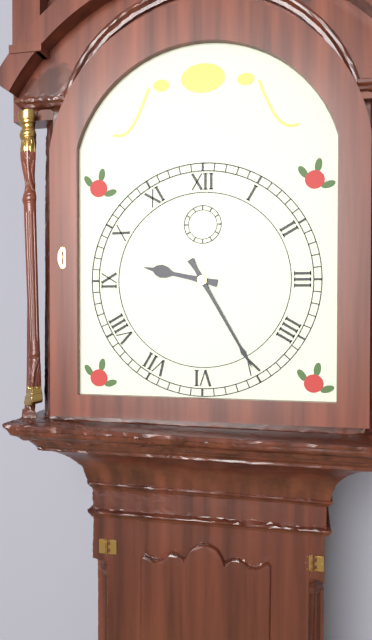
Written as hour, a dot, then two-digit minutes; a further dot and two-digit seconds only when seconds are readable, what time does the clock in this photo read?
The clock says 9.25
